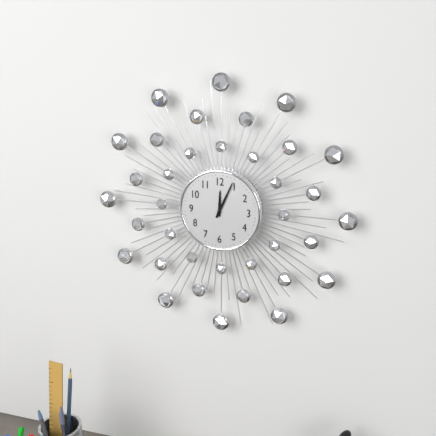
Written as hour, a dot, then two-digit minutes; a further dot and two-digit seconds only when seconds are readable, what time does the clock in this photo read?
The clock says 12.04
